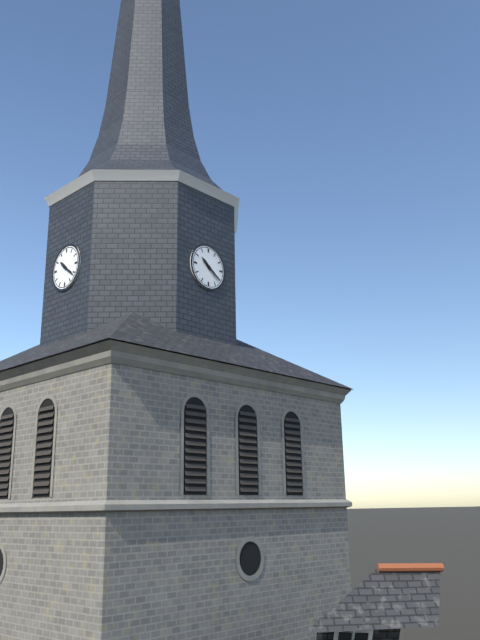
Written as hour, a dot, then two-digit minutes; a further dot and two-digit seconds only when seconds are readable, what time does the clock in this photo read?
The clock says 10.21
